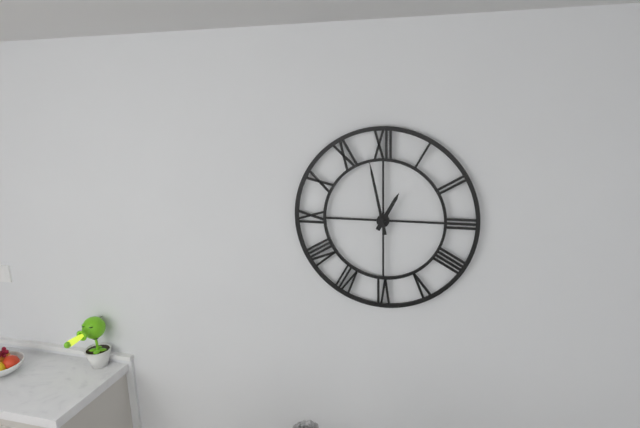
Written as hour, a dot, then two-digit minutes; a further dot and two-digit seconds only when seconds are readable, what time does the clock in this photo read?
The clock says 12.58
